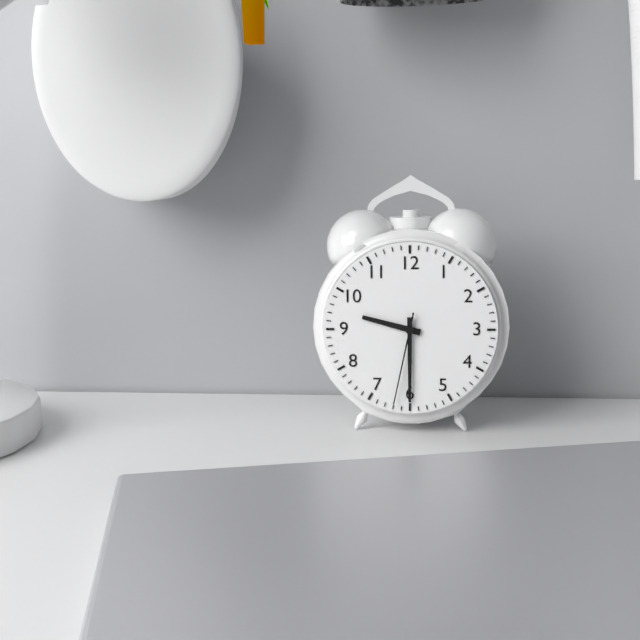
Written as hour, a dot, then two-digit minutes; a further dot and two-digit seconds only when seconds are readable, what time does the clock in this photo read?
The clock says 9.30.32
